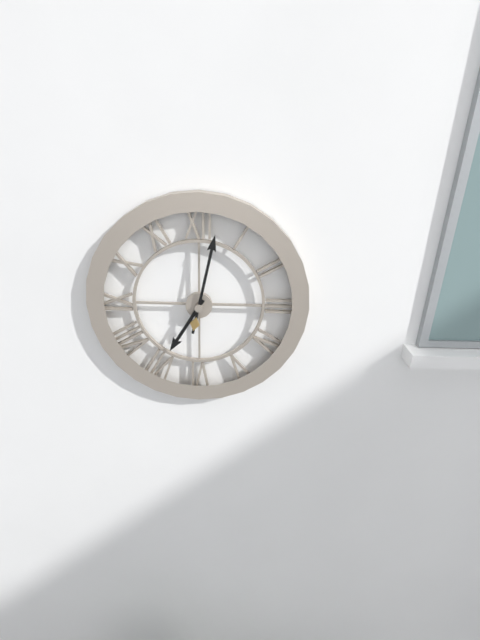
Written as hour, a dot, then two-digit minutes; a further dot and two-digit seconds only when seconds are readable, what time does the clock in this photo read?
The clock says 7.02
